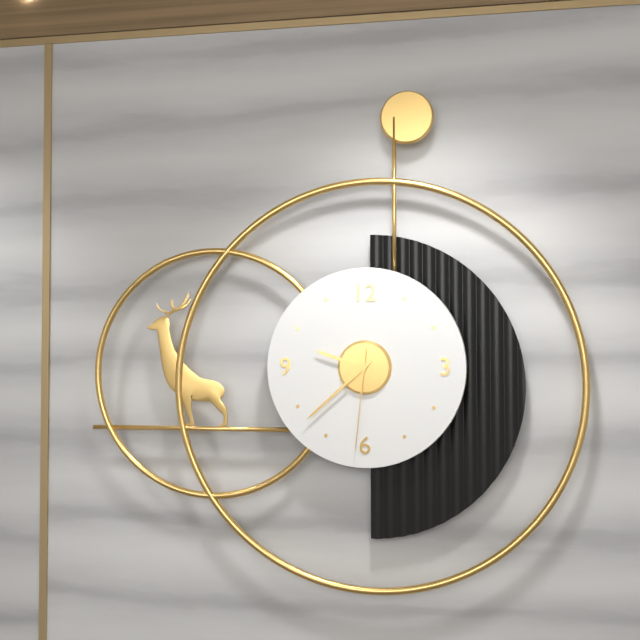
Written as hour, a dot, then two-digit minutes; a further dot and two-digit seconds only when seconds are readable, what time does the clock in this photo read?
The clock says 9.38.31
